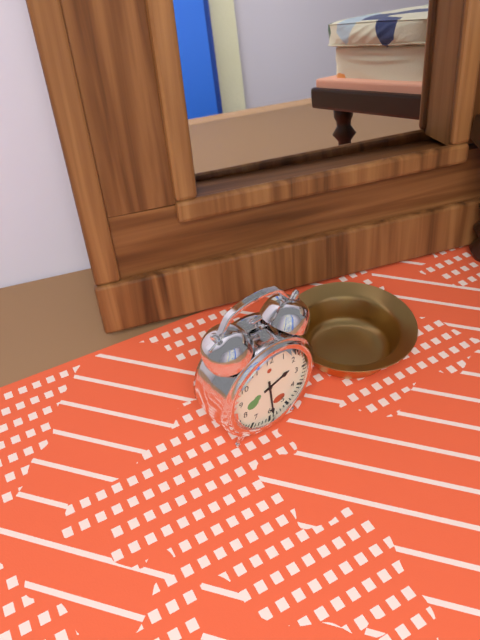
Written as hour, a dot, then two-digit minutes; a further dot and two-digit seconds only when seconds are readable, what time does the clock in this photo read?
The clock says 2.29
